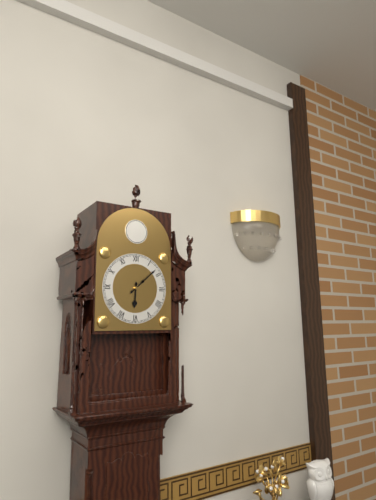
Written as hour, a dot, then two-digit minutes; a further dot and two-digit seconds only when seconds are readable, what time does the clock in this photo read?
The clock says 6.08
